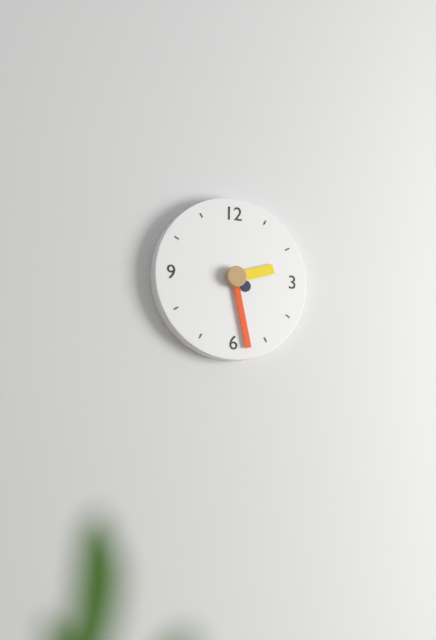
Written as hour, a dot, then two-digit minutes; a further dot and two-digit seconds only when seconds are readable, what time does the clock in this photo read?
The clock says 2.28
